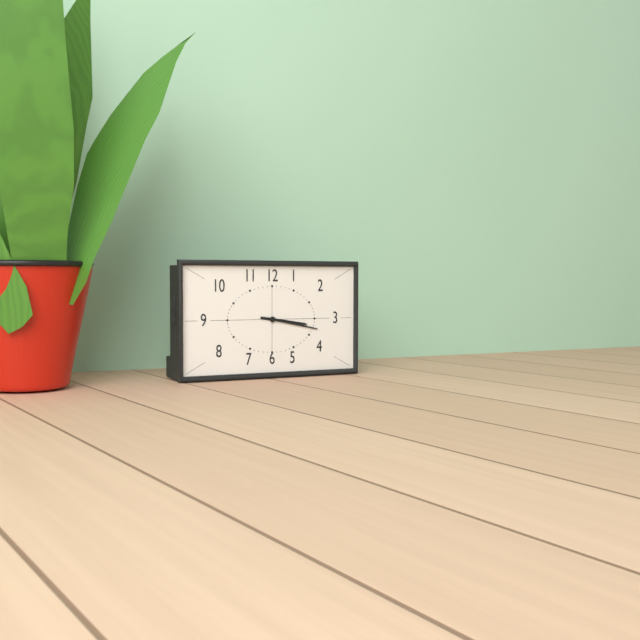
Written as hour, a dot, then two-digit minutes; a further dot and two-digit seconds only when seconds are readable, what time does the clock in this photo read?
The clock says 3.17
